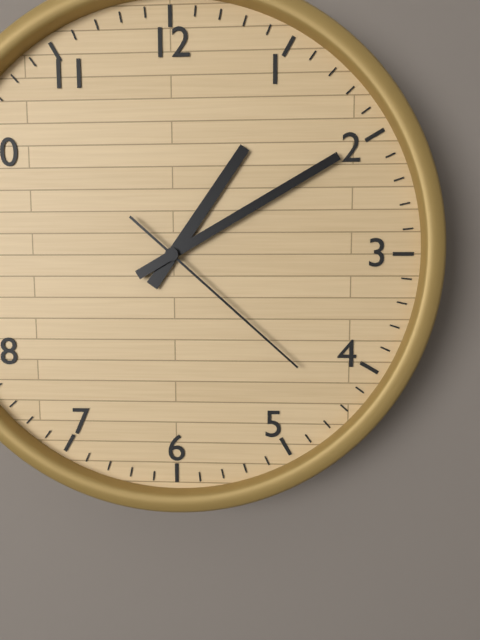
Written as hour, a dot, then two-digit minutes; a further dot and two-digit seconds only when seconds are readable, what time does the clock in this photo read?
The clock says 1.10.22
